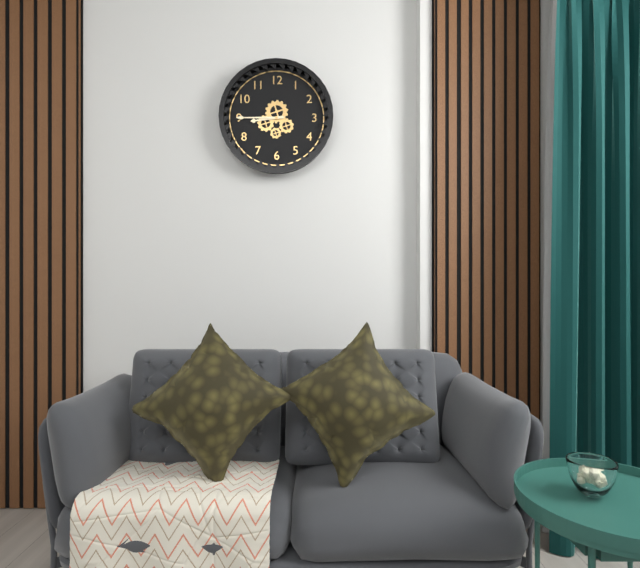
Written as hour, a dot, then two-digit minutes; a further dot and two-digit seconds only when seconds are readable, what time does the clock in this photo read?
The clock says 8.45
